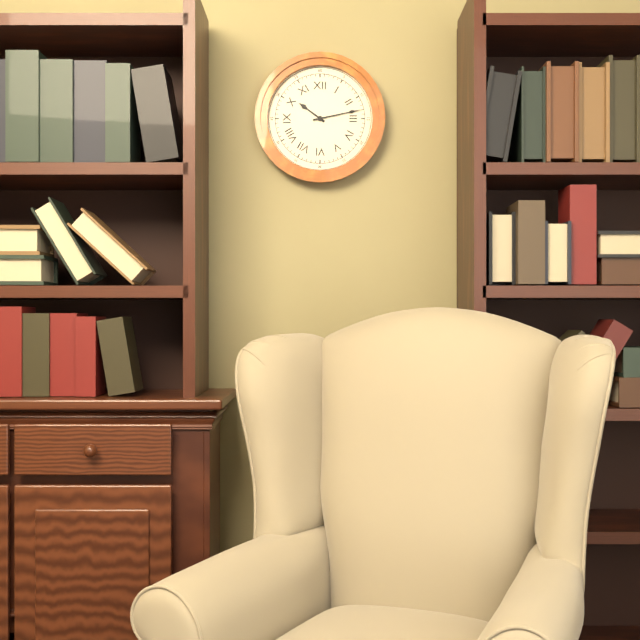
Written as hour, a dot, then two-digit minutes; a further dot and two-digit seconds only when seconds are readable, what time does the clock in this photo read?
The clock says 10.13
